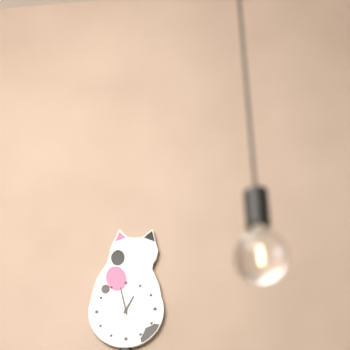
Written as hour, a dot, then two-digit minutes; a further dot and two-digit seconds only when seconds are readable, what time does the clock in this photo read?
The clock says 12.58
